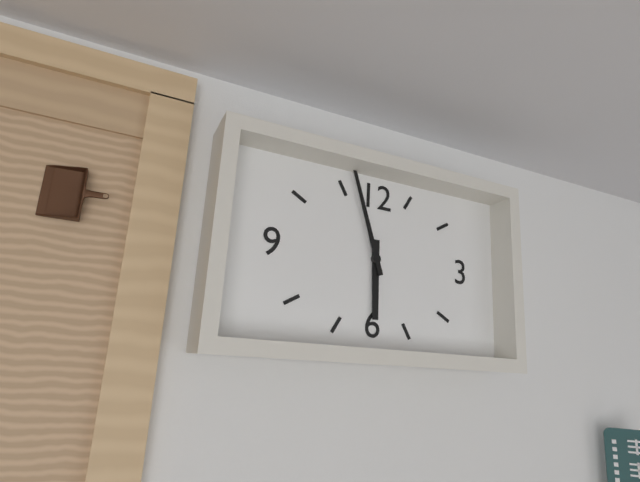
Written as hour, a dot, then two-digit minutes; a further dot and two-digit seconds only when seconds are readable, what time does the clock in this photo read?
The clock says 5.57
